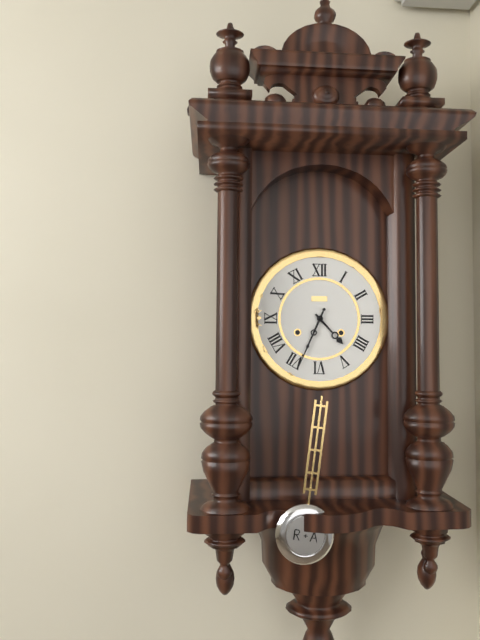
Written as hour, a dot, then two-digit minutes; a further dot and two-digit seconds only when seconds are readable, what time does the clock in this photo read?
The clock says 4.34
